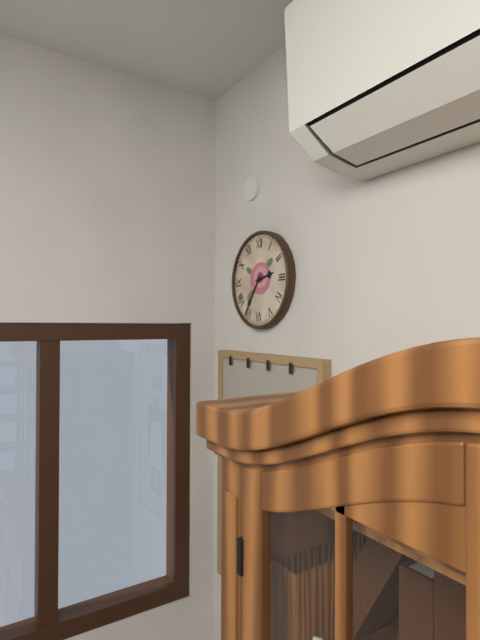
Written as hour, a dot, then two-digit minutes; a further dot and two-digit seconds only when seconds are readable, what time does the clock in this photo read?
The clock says 2.36
